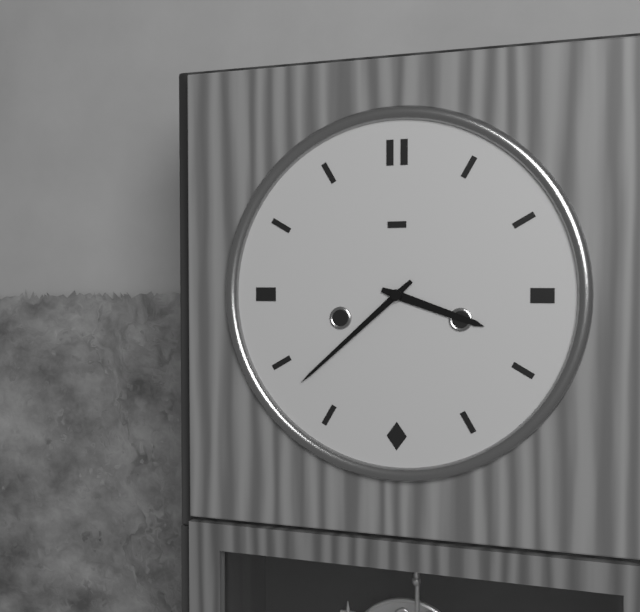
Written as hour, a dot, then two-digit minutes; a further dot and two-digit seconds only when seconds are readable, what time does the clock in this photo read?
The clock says 3.38
